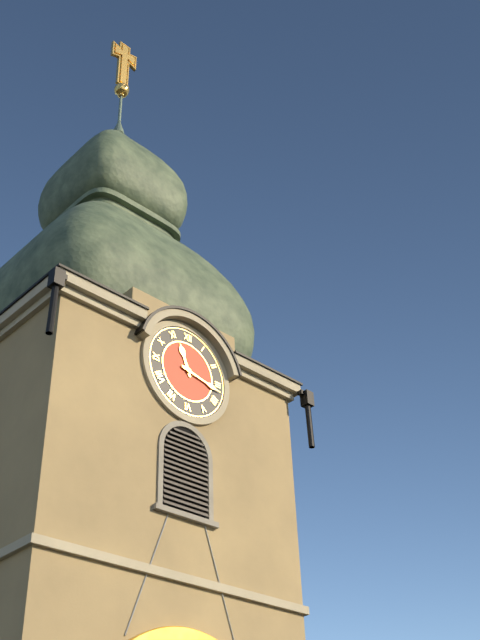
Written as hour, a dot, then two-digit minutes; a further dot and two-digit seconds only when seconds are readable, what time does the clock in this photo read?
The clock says 11.17
